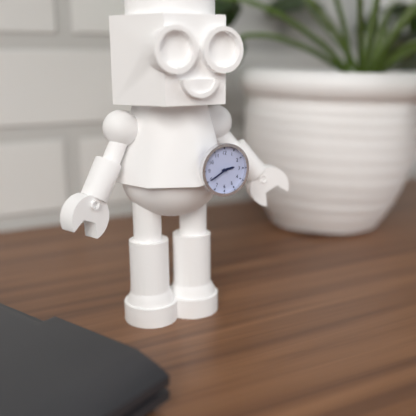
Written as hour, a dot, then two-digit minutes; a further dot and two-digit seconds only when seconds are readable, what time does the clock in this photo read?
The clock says 2.40
